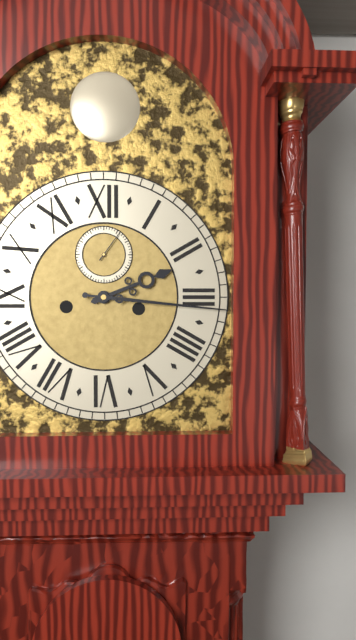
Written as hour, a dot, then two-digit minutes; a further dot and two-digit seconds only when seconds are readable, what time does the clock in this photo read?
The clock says 2.16
